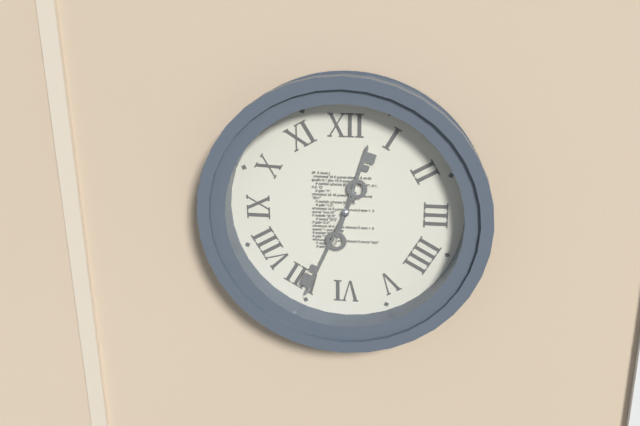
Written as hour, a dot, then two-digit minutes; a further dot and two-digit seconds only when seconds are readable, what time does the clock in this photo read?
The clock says 12.34
